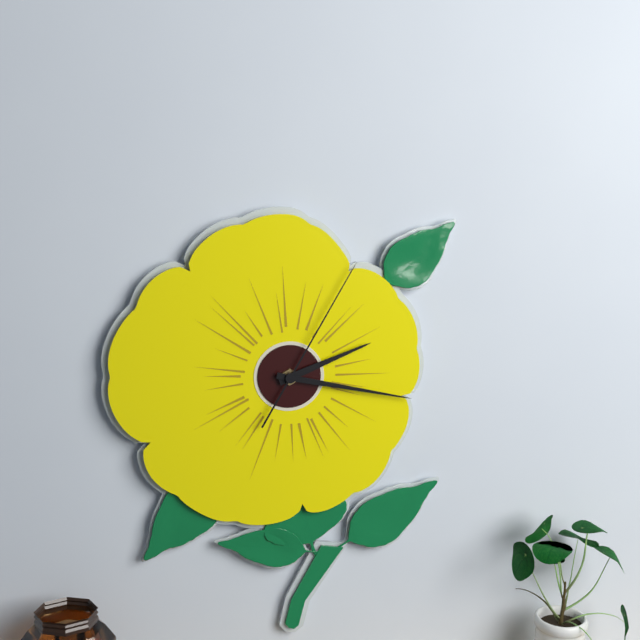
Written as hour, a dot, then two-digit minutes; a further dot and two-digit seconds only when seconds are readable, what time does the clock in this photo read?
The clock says 2.17.05
